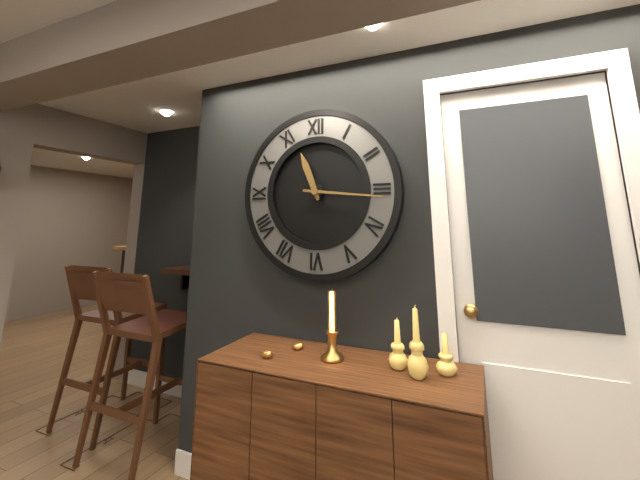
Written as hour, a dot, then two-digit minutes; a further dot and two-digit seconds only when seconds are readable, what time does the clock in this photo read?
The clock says 11.16
